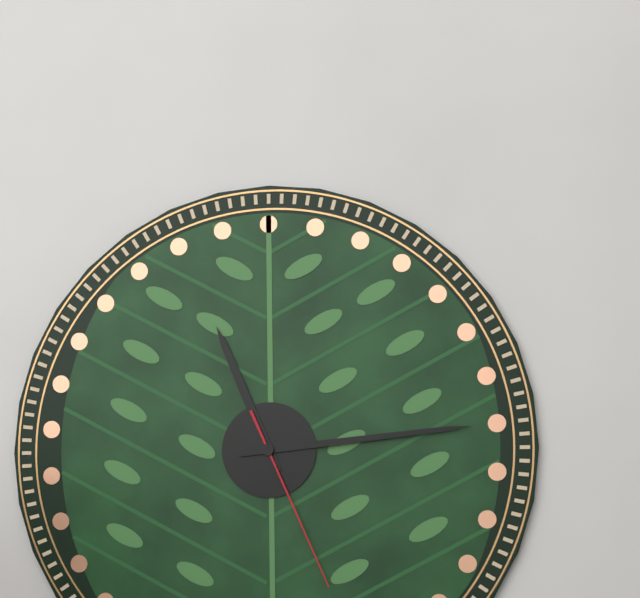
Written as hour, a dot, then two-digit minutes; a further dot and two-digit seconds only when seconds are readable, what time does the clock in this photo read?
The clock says 11.14.26
